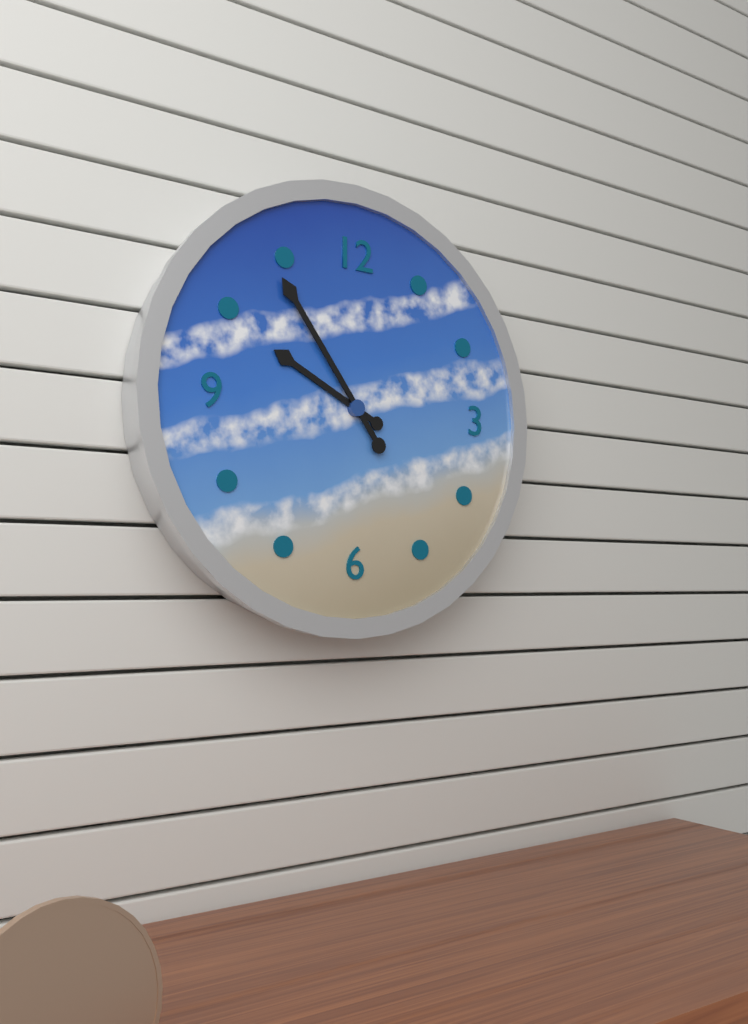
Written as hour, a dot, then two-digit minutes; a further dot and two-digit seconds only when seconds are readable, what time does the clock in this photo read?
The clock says 9.54
